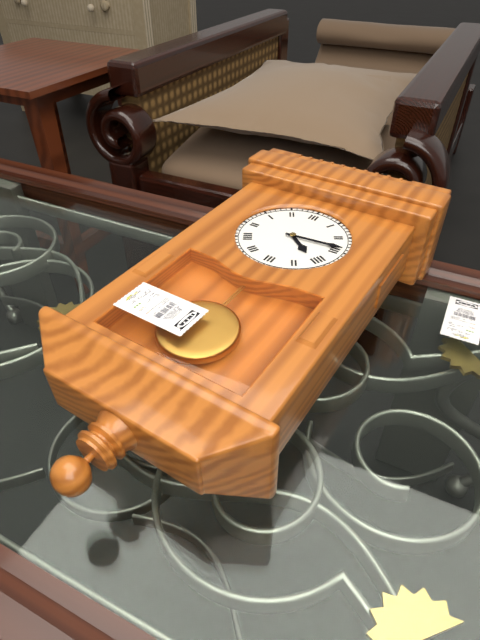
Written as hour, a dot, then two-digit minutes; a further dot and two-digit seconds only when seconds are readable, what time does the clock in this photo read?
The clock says 4.14
